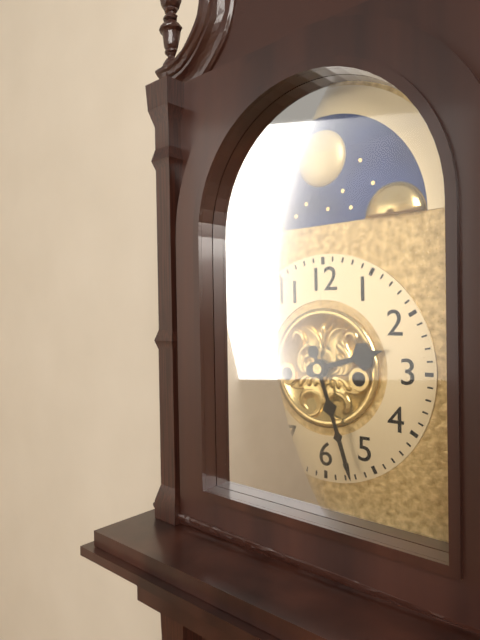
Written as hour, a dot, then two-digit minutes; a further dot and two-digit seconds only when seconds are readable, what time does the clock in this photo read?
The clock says 2.27
